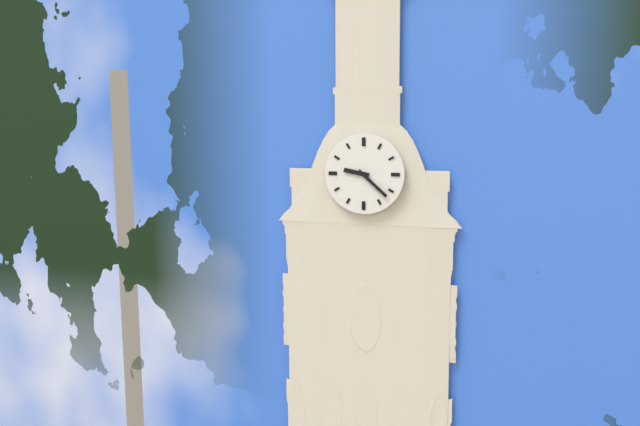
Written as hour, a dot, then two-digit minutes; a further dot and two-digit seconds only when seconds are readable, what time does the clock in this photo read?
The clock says 9.22
